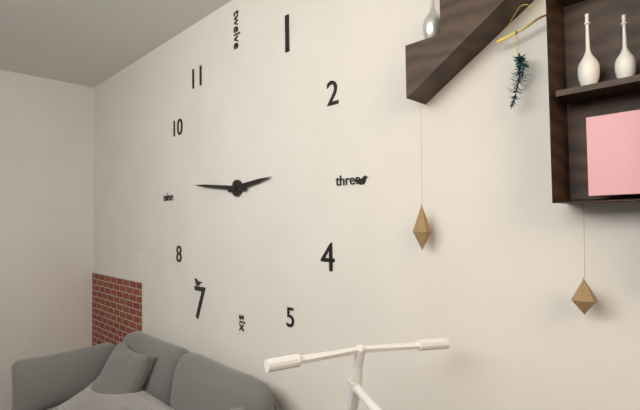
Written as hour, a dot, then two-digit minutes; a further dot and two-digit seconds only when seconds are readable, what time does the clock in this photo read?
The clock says 2.46
